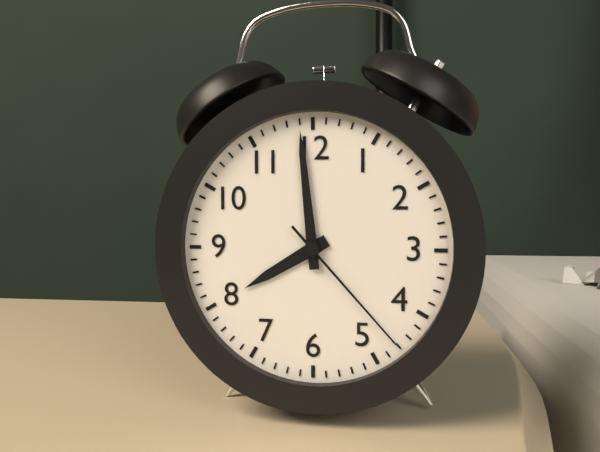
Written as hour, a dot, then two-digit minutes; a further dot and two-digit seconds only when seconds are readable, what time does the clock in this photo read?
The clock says 7.59.23
